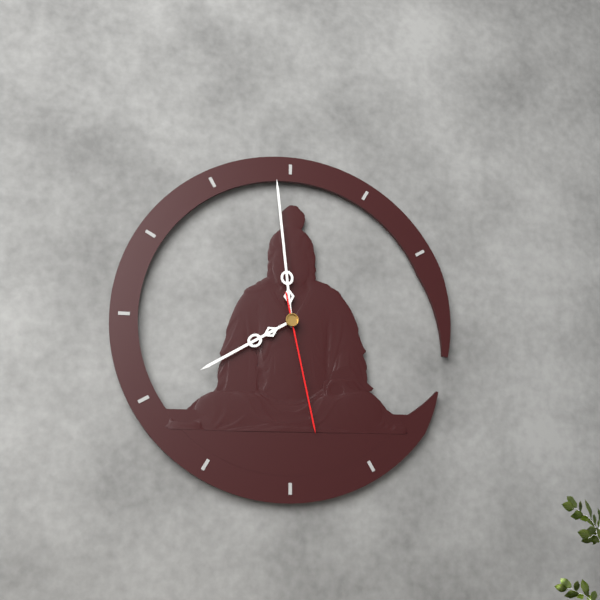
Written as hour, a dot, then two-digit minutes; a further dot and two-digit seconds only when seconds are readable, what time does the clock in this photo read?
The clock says 7.59.28
